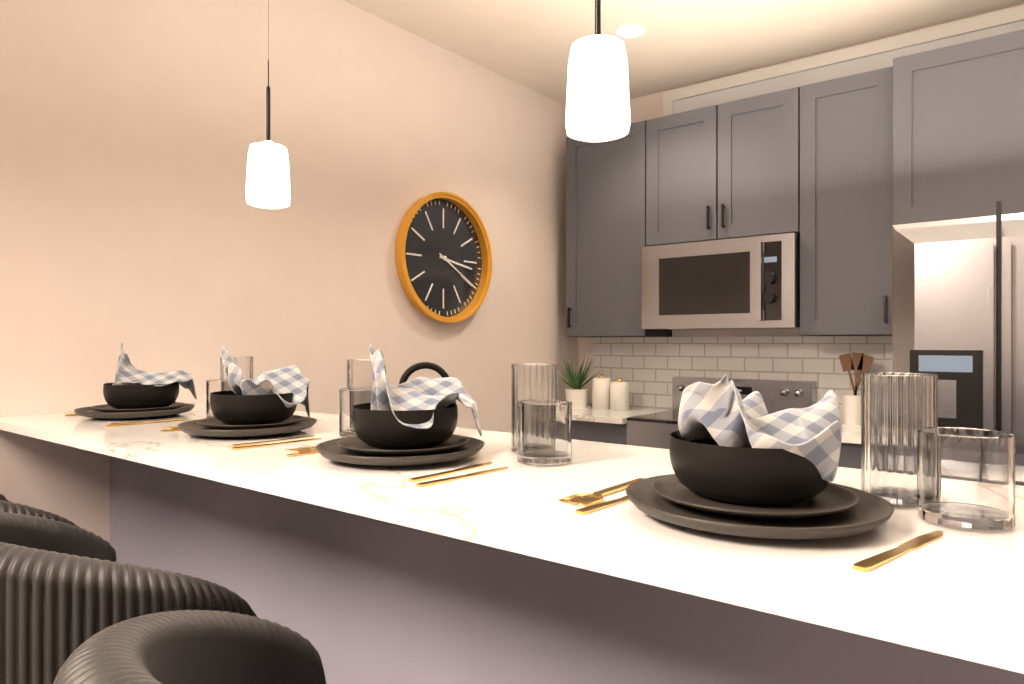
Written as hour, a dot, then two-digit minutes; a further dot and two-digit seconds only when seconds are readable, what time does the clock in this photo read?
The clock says 3.20
